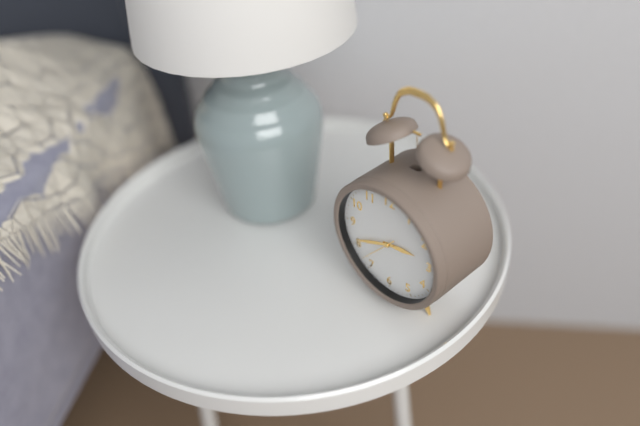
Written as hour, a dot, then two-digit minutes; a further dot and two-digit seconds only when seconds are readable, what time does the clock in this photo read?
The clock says 2.41
